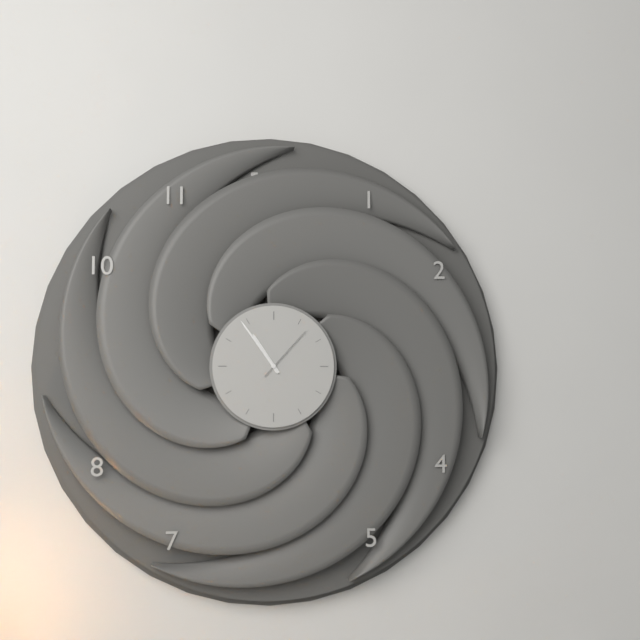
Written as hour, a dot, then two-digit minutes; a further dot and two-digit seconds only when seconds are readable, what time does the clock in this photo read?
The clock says 10.54.07
